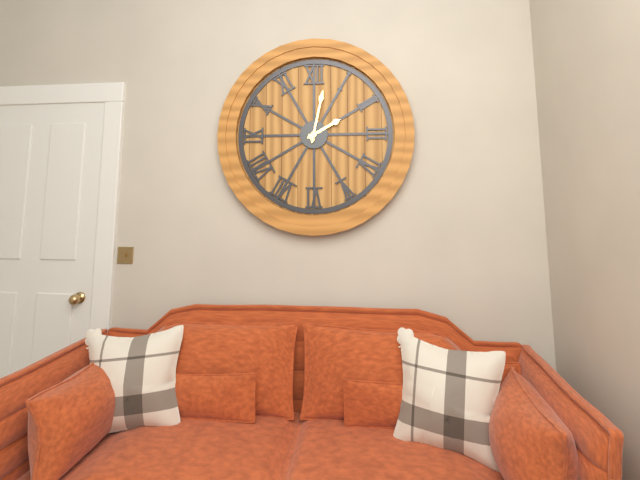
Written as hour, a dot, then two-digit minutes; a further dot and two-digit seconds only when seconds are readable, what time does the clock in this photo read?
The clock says 2.02
